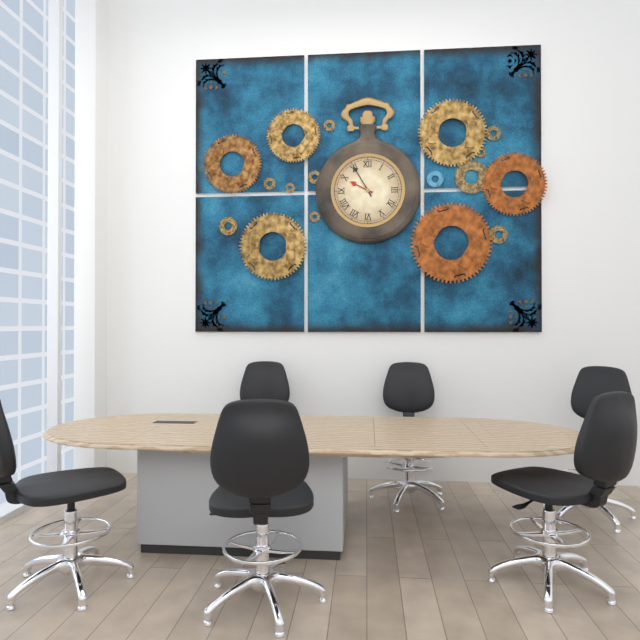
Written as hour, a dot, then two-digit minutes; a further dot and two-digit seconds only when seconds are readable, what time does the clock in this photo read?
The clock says 9.55
